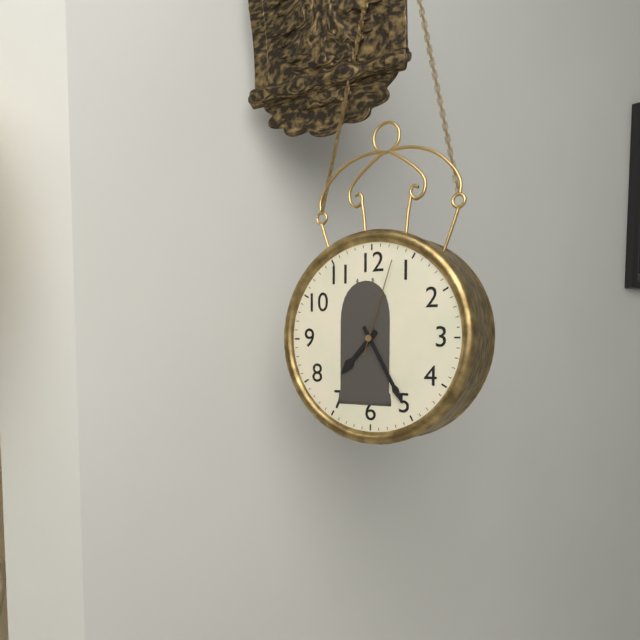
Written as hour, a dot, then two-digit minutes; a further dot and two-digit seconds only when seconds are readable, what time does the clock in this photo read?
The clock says 7.25.03
